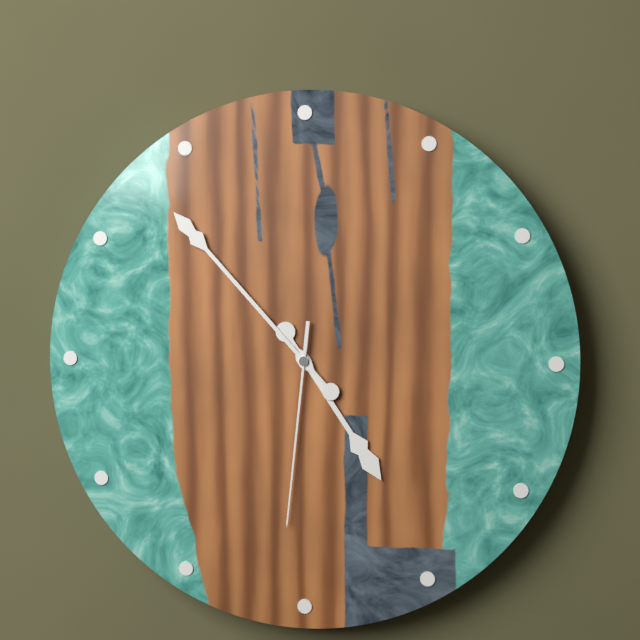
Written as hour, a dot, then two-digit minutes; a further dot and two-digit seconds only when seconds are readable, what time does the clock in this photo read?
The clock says 4.53.31
